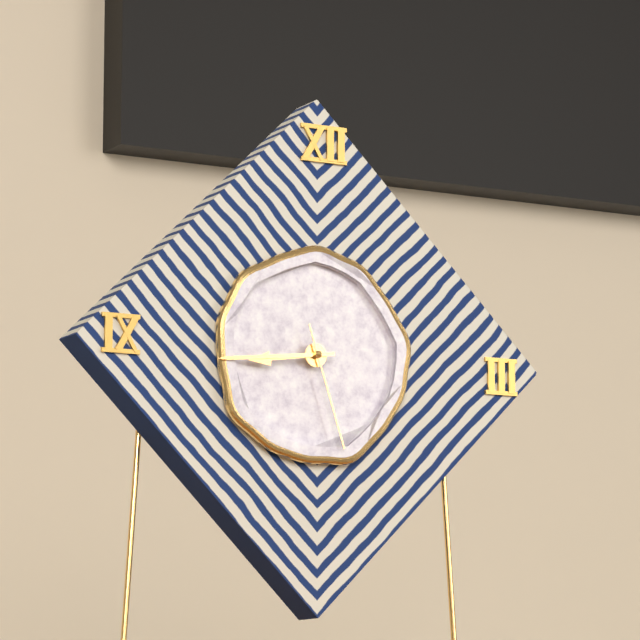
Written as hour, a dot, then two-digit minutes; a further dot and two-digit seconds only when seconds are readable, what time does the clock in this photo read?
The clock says 8.44.27
